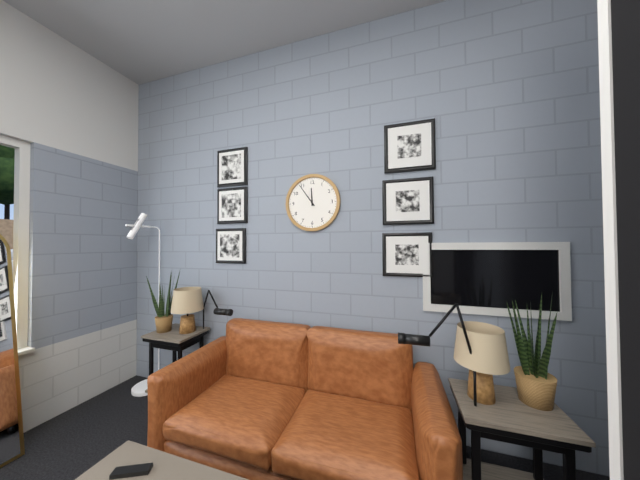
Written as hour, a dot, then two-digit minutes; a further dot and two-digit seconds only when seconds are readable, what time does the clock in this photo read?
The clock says 11.54
